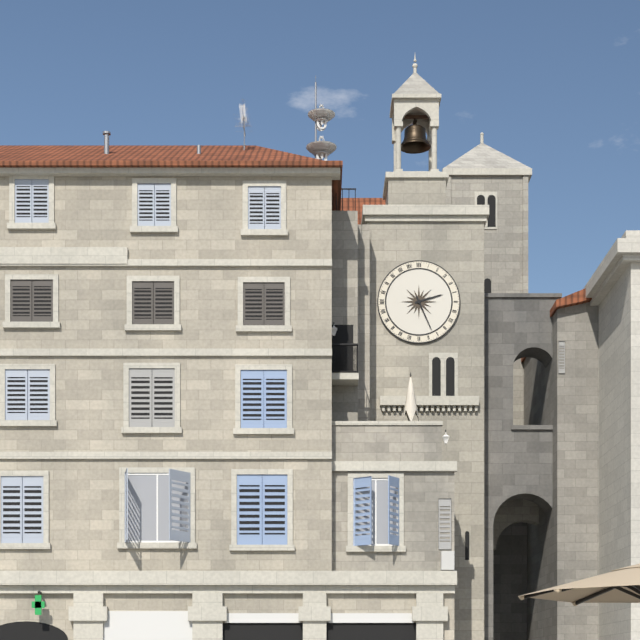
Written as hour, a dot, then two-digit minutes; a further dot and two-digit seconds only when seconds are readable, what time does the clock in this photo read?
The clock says 2.26
